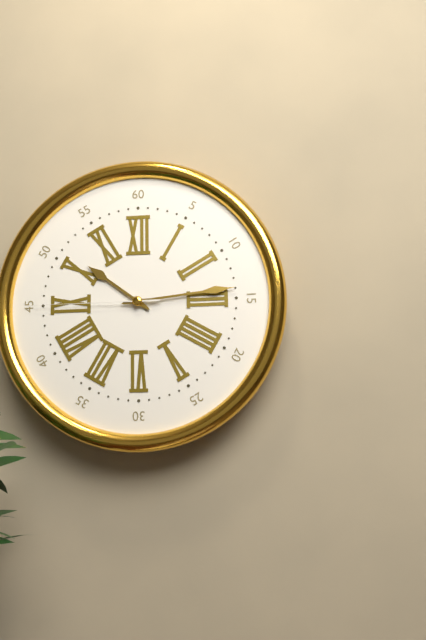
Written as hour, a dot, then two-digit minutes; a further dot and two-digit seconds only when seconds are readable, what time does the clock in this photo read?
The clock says 10.14.45
